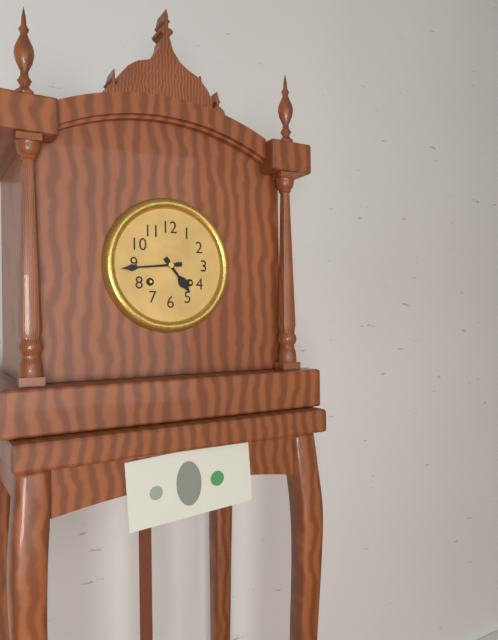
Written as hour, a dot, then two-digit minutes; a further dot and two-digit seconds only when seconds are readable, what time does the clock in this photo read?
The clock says 4.44
